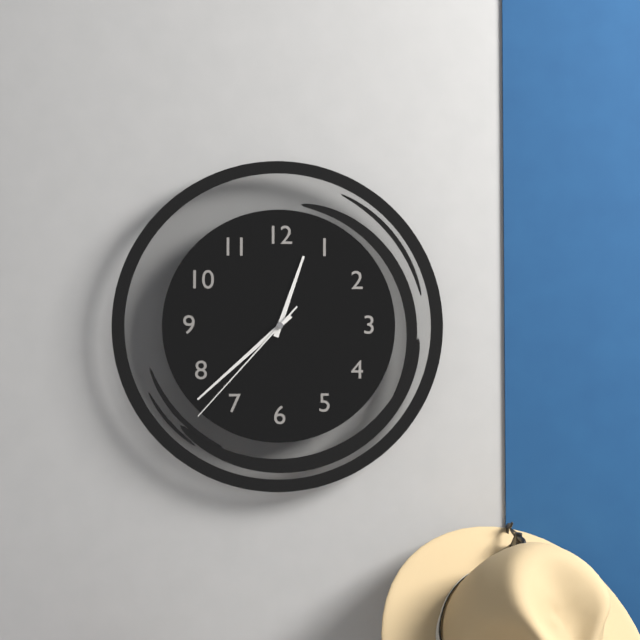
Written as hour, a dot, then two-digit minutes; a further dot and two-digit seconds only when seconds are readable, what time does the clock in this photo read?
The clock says 12.38.37
